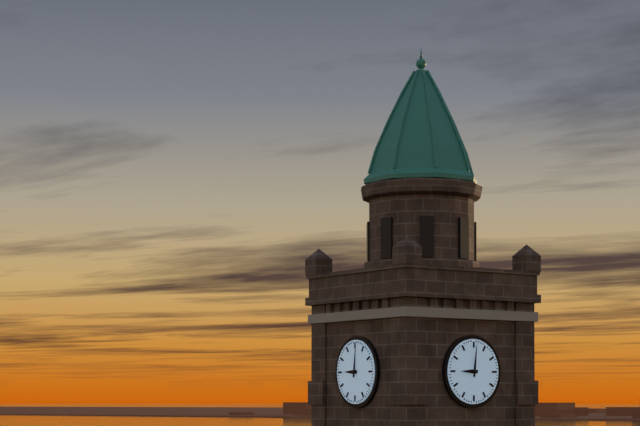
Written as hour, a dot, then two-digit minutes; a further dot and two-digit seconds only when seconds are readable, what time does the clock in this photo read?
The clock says 9.01
